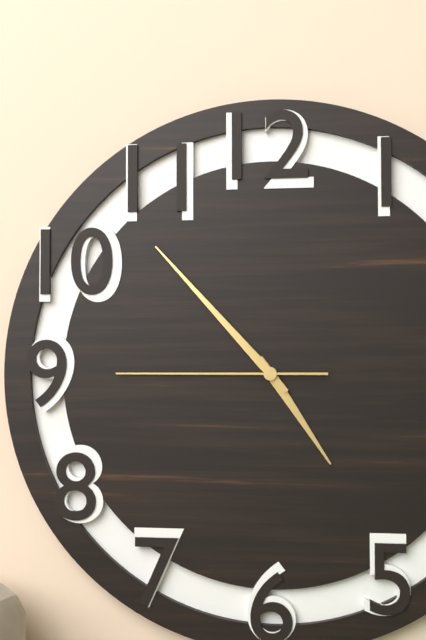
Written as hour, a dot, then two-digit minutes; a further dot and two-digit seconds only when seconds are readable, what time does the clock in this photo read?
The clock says 4.53.45
